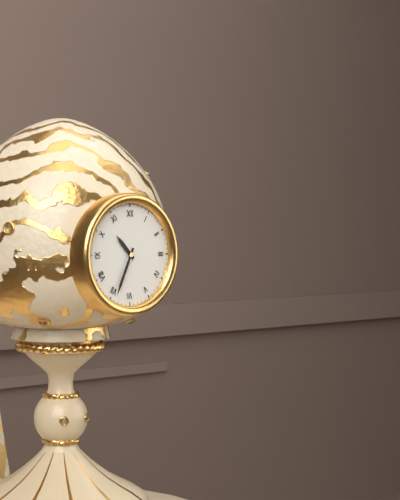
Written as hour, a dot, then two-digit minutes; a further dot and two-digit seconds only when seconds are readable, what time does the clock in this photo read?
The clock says 10.34
